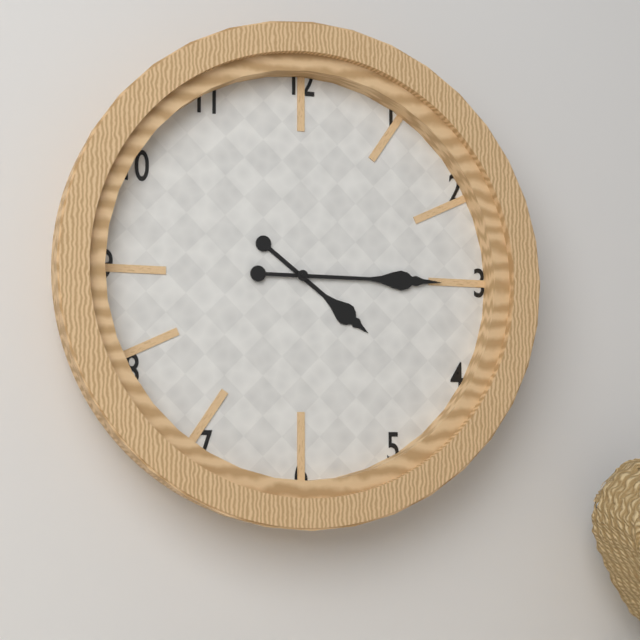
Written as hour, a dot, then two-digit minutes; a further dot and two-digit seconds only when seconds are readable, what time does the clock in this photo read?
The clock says 4.15
